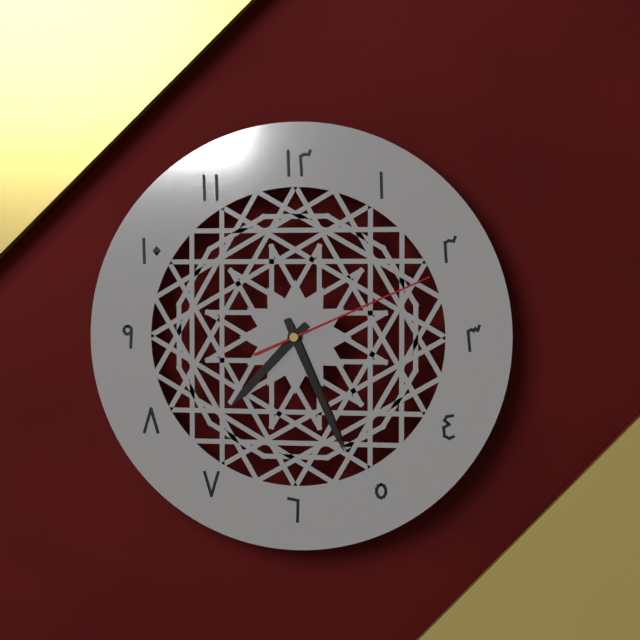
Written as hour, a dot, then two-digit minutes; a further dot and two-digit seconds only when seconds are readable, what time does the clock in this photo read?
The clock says 7.26.11
